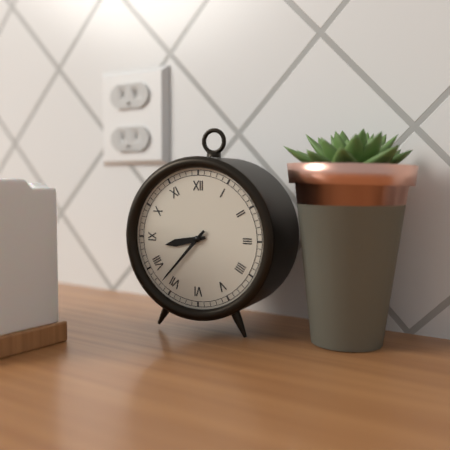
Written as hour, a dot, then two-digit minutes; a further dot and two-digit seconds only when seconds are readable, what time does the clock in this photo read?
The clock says 8.37
